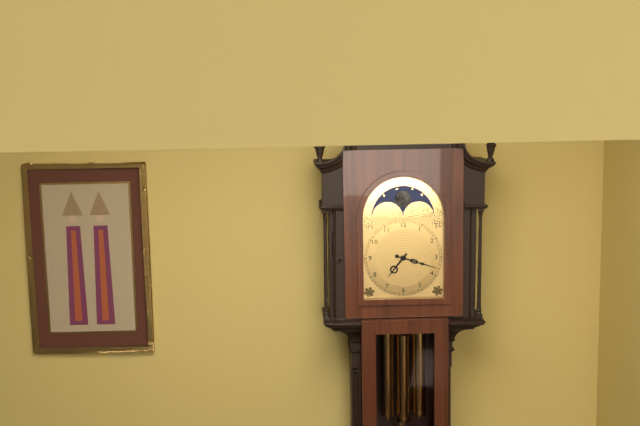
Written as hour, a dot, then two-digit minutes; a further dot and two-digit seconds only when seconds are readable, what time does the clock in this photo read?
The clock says 7.18
